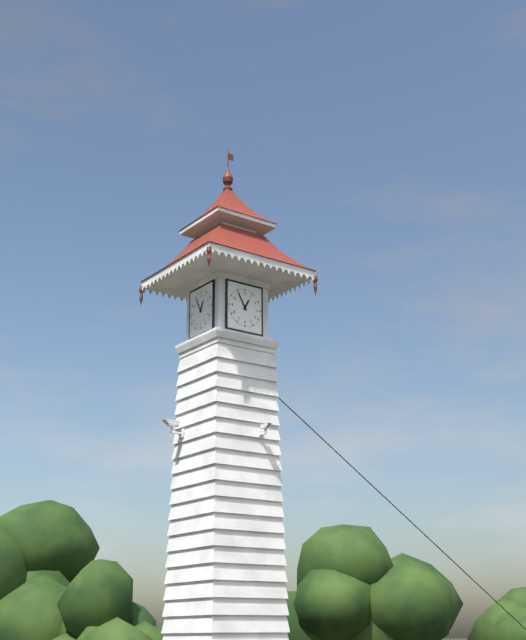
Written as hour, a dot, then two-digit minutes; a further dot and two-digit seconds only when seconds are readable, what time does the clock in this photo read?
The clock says 12.55
